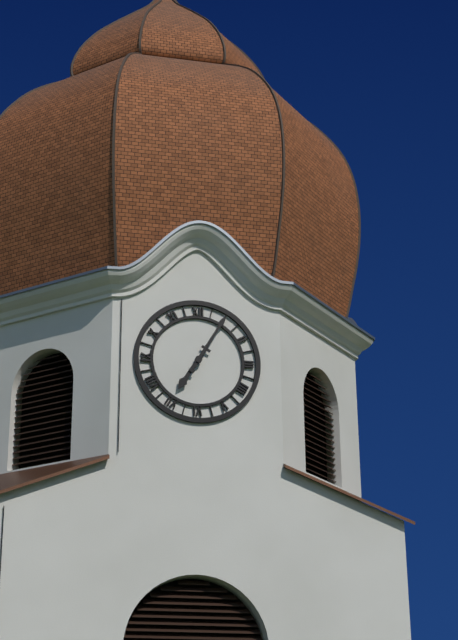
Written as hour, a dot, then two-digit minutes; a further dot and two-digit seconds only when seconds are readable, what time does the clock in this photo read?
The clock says 7.05
